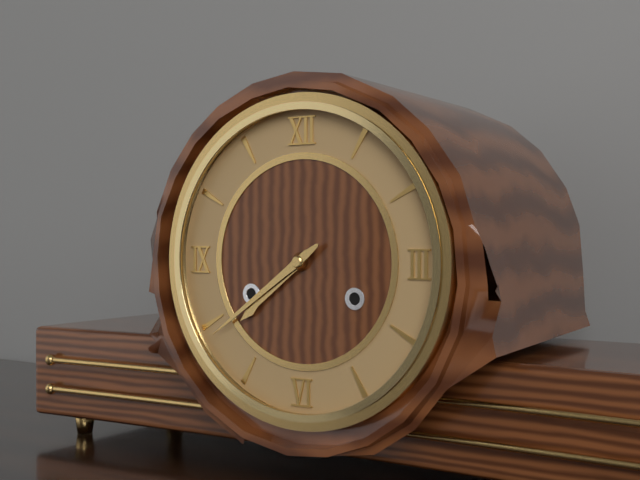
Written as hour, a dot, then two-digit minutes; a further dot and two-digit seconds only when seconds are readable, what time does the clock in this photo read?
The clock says 7.39
